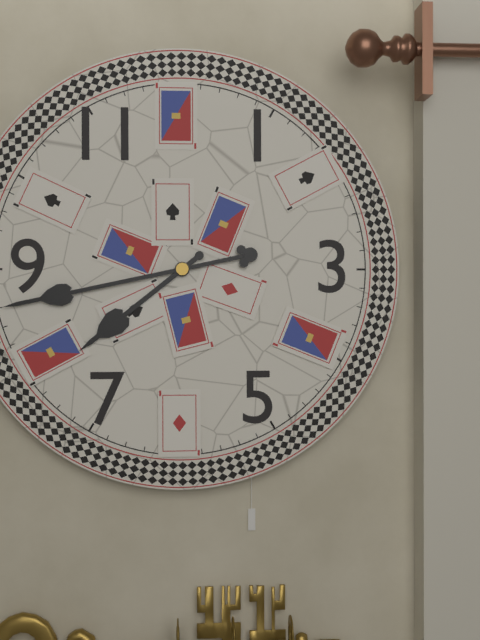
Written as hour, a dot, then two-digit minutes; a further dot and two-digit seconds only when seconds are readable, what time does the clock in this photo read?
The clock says 7.43
